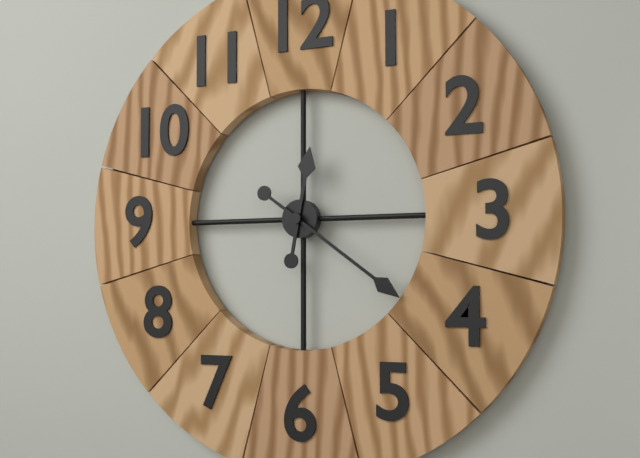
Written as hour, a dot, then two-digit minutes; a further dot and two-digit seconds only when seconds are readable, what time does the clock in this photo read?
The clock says 12.21
